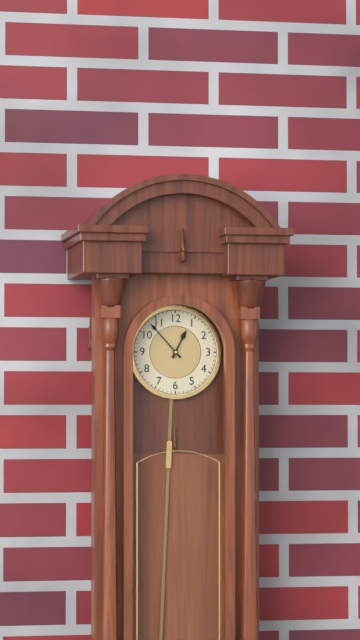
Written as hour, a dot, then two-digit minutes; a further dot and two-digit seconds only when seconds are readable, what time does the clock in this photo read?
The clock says 12.53
